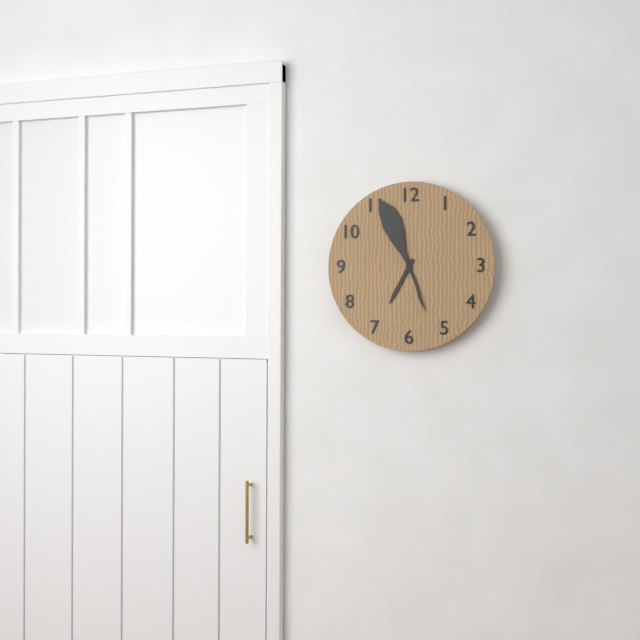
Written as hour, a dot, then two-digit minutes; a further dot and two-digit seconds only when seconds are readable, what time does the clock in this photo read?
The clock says 6.56
